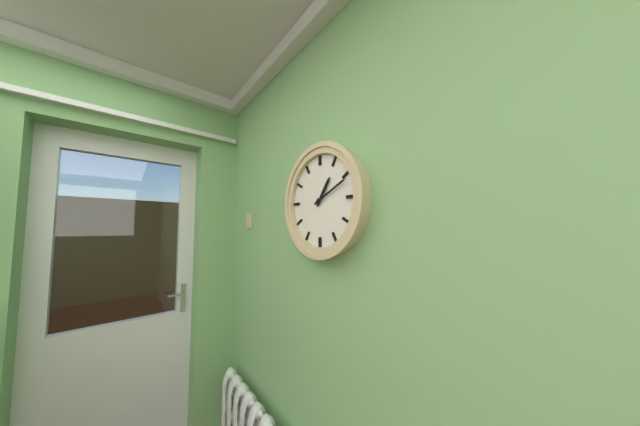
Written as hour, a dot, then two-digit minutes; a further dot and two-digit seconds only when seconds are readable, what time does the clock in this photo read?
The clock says 1.11
